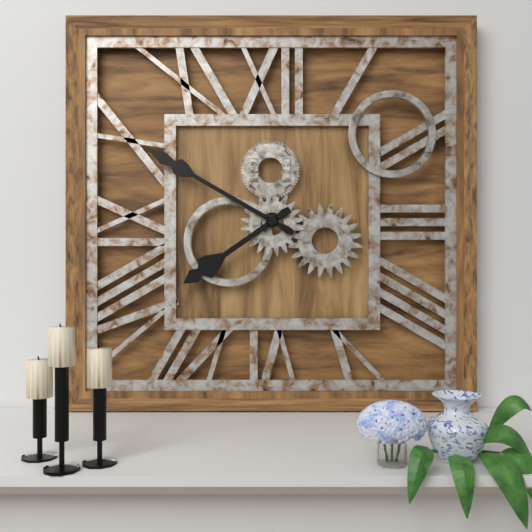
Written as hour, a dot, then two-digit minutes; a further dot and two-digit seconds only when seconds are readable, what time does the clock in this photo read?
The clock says 7.50
